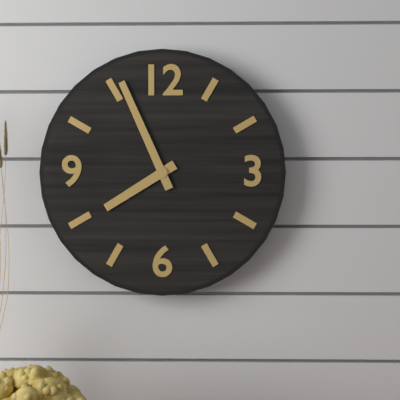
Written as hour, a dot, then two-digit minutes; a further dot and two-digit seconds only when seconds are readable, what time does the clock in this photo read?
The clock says 7.56
